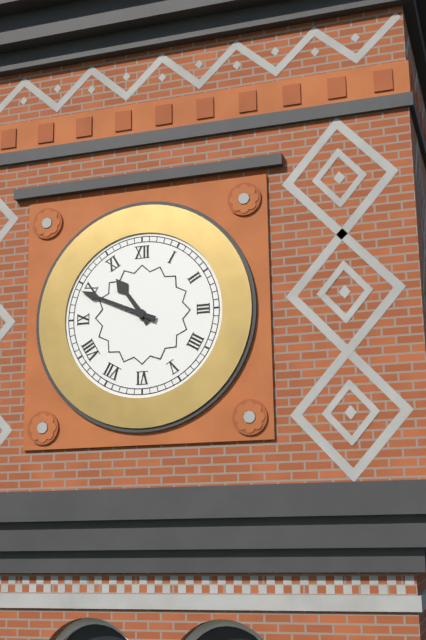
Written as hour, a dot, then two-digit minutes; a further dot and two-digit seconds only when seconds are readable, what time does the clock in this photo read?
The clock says 10.49
